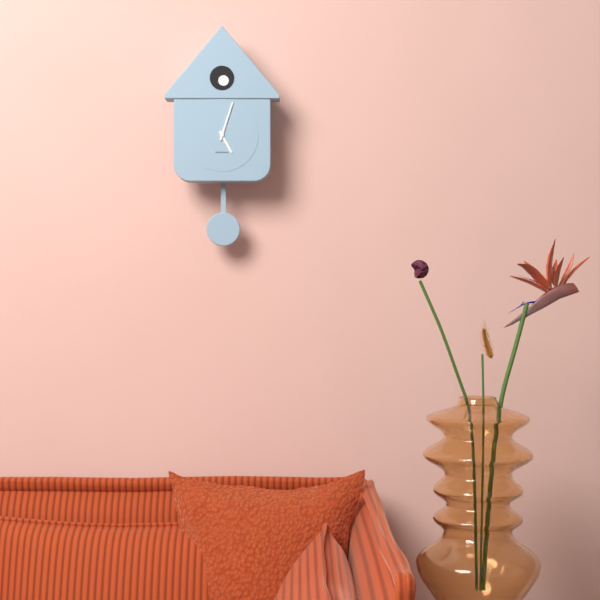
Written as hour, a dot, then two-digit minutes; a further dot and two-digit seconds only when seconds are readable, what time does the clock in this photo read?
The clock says 5.03
